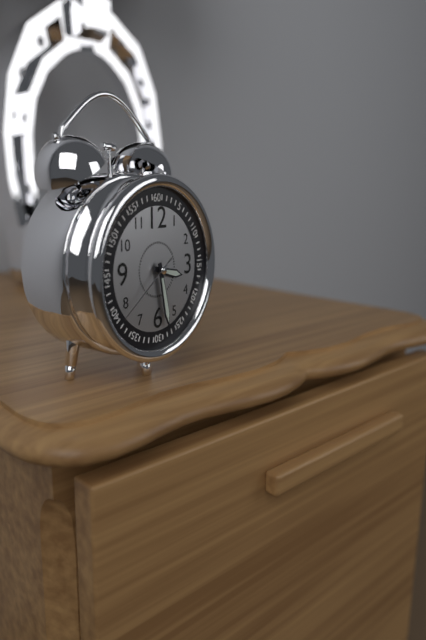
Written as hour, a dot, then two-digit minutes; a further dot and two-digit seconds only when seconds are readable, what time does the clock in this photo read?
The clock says 3.28.39
